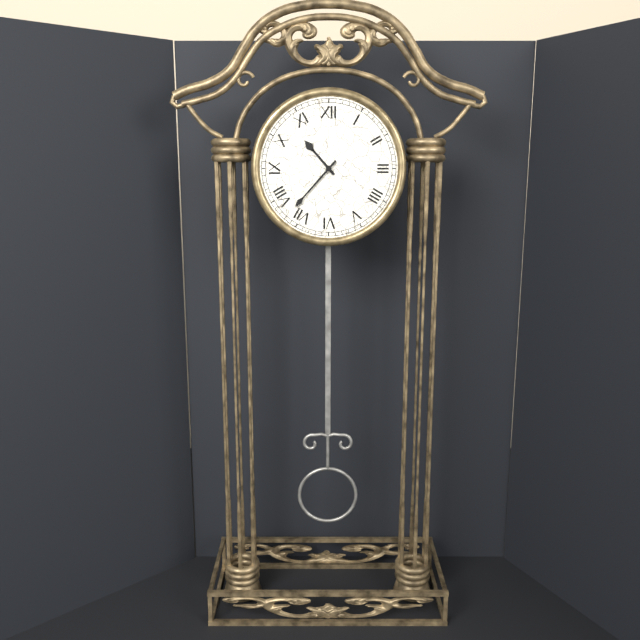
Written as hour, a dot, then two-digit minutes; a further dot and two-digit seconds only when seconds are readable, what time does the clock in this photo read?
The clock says 10.37
